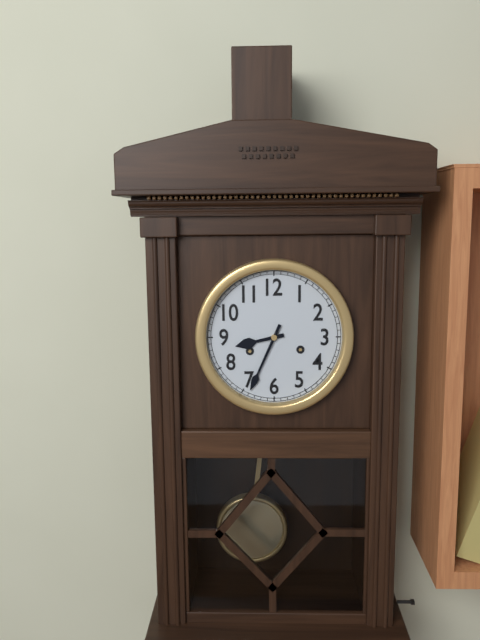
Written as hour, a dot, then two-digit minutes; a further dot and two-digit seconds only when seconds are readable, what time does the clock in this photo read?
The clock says 8.34
